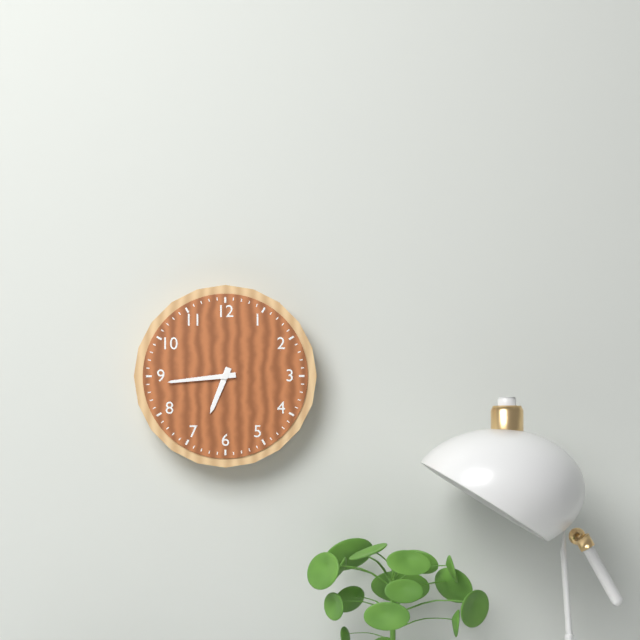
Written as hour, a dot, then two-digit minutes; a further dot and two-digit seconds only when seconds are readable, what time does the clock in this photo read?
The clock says 6.44
